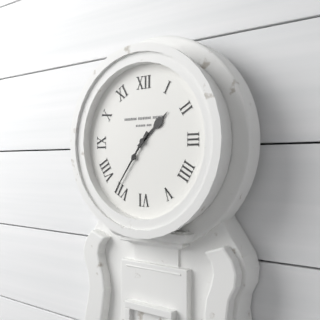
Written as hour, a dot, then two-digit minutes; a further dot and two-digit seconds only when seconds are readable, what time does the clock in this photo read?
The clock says 1.36
